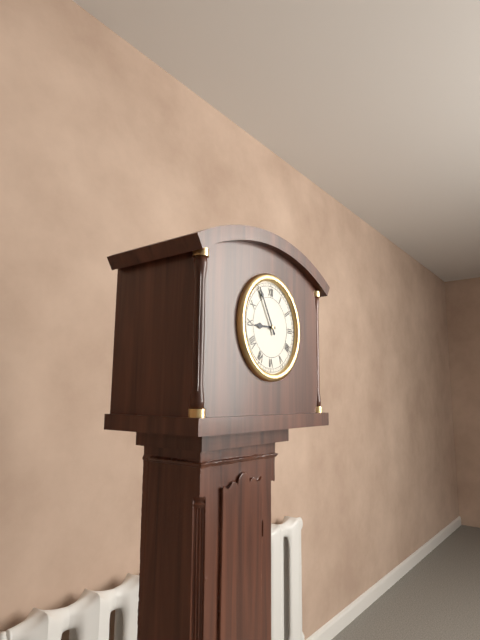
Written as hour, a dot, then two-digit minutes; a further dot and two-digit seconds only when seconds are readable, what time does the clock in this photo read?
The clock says 8.55
